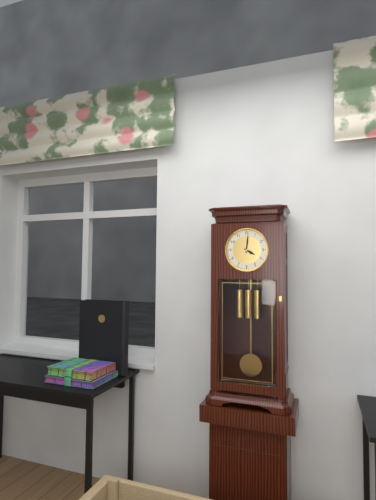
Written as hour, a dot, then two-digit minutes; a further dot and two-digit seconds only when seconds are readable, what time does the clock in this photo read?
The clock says 4.01
